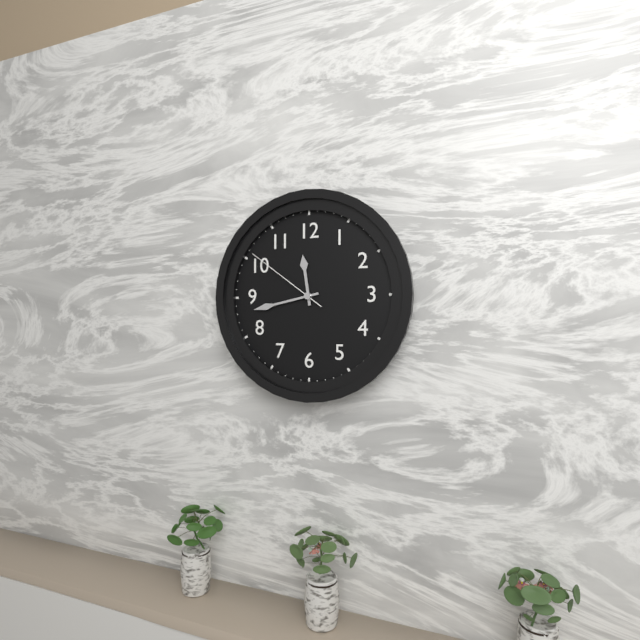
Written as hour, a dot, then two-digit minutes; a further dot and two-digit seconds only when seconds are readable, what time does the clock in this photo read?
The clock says 11.43.51
